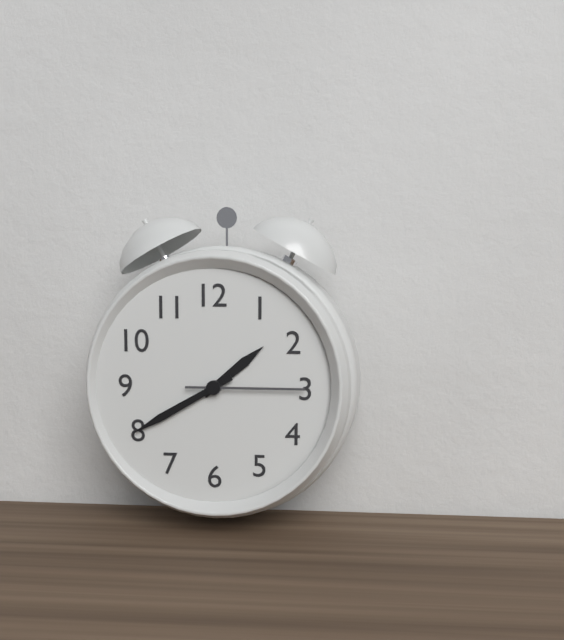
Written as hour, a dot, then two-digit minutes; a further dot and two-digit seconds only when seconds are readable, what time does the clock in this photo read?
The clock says 1.40.15
